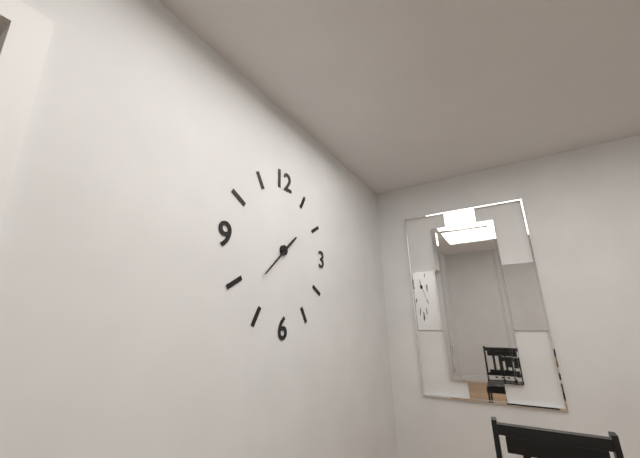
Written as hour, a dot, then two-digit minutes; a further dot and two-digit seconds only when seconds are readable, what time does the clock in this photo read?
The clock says 1.38
